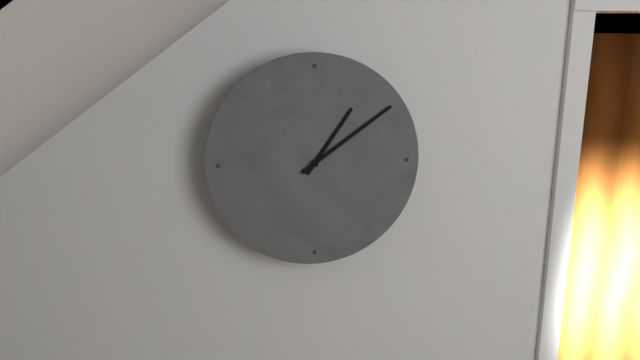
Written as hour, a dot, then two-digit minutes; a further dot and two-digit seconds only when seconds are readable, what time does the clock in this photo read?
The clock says 1.09
